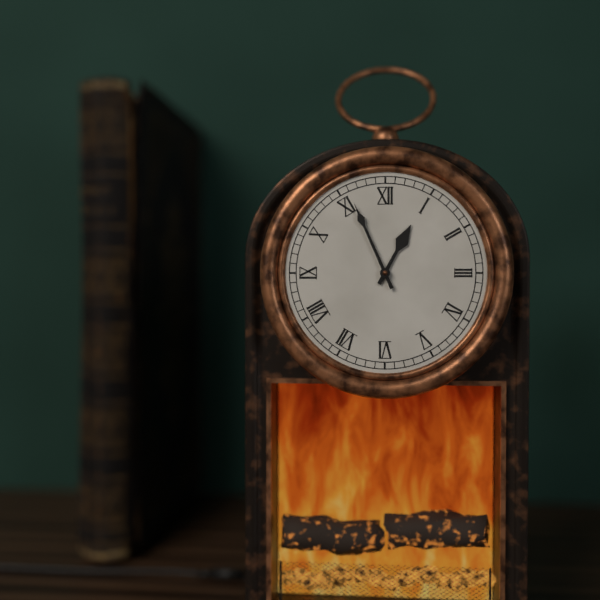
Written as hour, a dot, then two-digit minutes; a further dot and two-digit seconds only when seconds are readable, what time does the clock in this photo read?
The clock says 12.56
